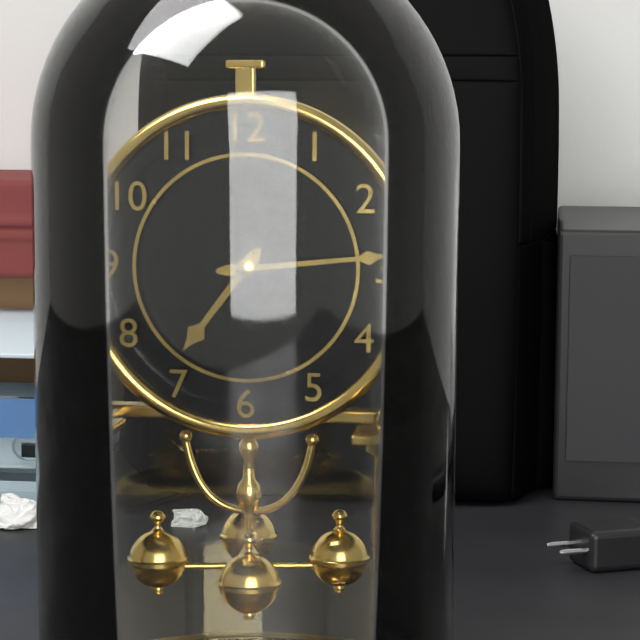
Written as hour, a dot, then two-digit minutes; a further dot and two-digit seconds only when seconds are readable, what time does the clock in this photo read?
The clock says 7.14
